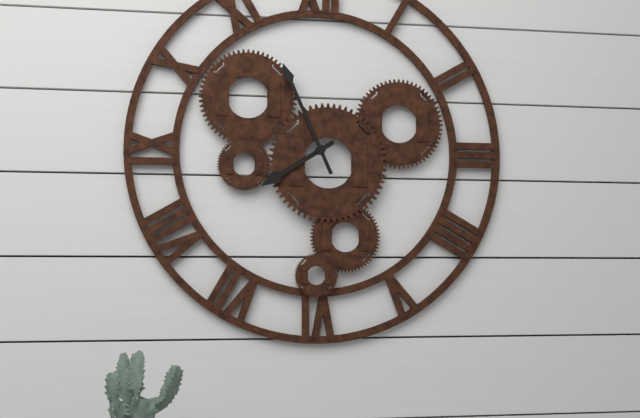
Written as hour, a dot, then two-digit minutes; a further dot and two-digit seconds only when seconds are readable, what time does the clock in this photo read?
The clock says 7.56
